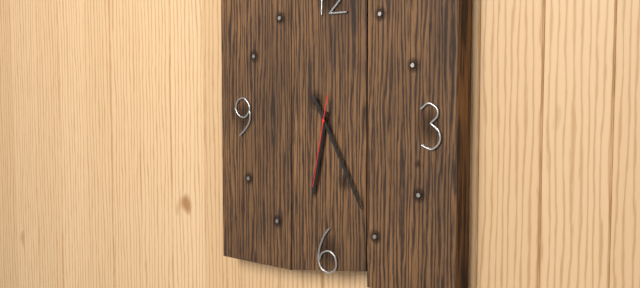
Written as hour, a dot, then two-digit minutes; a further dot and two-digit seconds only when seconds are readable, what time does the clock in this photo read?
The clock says 6.25.32
